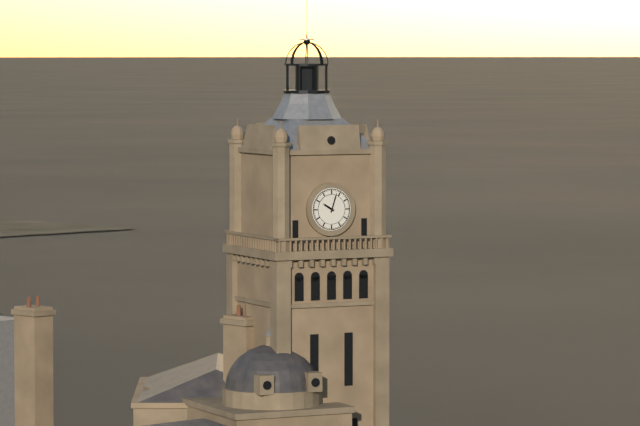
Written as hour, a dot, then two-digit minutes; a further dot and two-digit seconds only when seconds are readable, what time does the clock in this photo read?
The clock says 10.03
